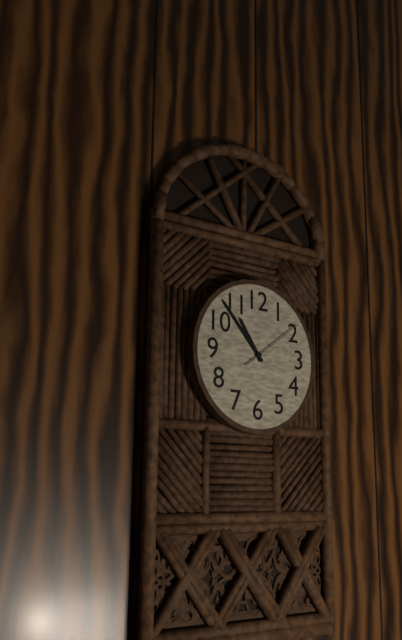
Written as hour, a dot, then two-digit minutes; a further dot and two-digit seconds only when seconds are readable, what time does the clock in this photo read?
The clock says 10.53.09
